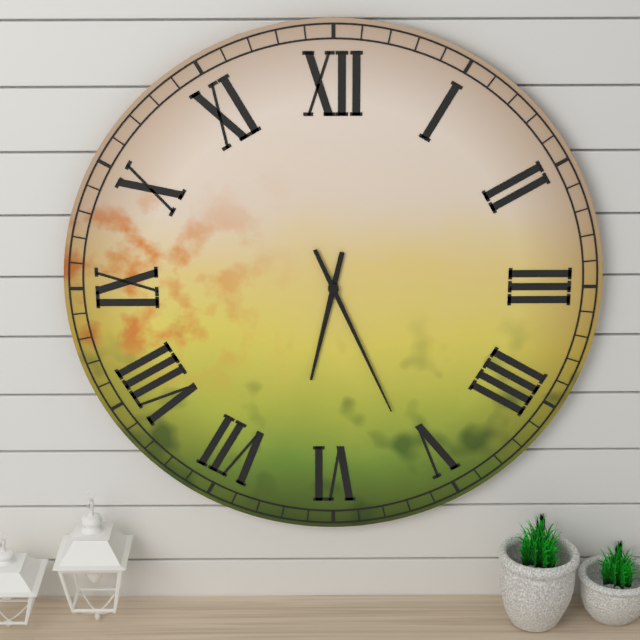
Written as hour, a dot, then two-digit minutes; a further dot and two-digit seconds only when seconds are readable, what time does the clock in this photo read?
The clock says 6.26
